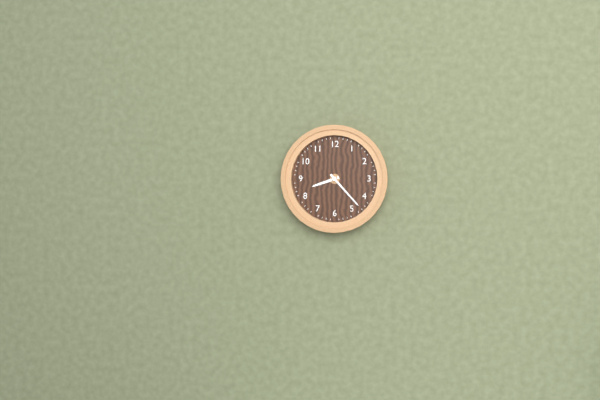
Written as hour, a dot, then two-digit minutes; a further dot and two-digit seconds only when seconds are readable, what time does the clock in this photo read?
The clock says 8.23
